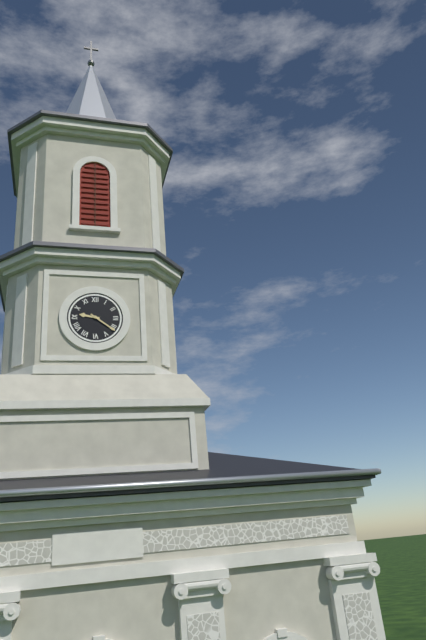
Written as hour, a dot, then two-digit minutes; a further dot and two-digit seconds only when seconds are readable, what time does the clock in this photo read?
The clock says 9.21
